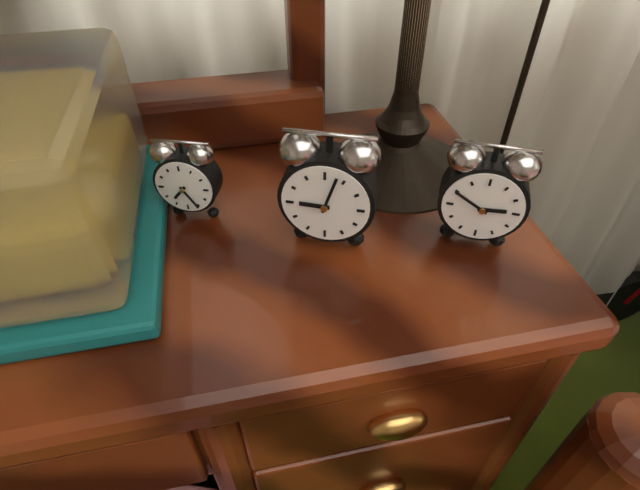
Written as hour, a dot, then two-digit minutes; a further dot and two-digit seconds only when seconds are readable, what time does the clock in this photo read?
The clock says 9.03
